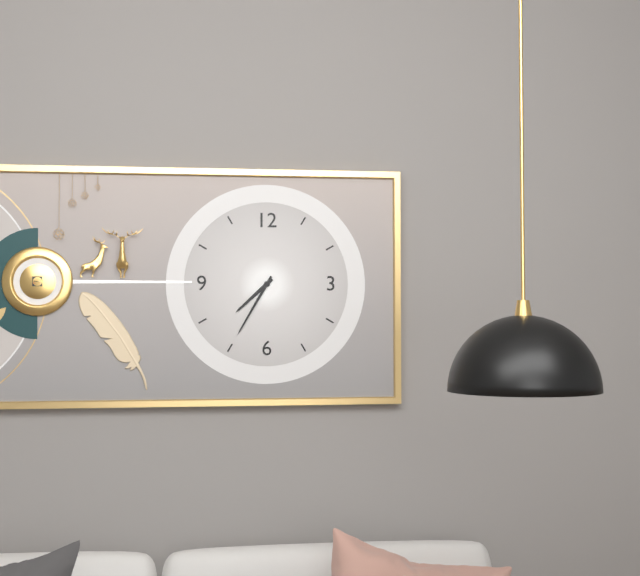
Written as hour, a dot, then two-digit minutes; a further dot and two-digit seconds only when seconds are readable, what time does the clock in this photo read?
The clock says 7.35
